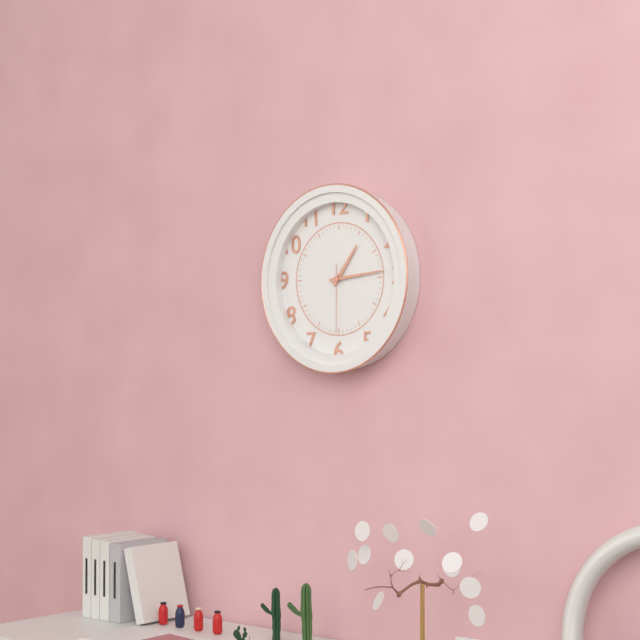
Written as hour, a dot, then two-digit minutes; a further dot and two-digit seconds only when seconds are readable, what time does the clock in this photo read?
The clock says 1.14.30
